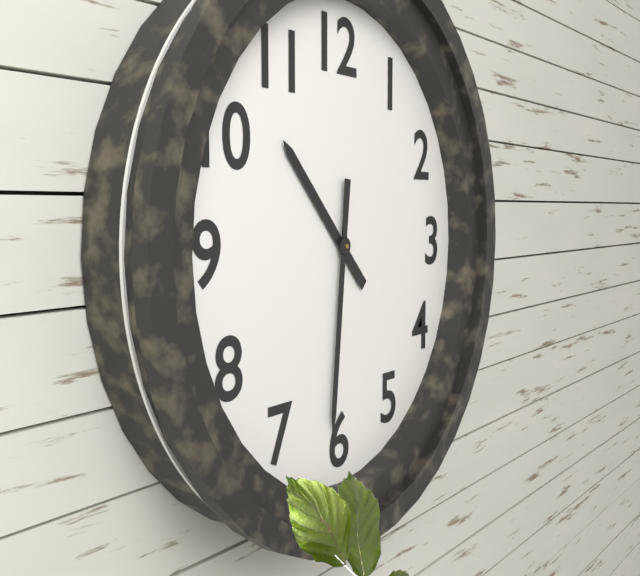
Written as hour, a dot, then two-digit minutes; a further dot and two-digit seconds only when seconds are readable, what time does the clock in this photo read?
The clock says 10.31
